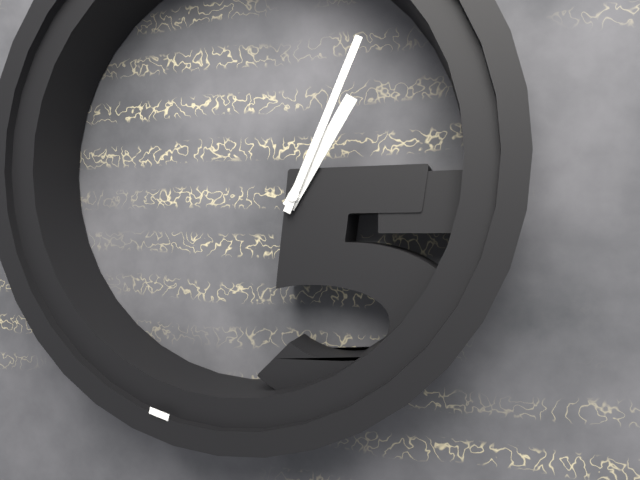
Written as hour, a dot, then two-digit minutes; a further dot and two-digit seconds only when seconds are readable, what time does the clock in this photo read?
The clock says 1.04
